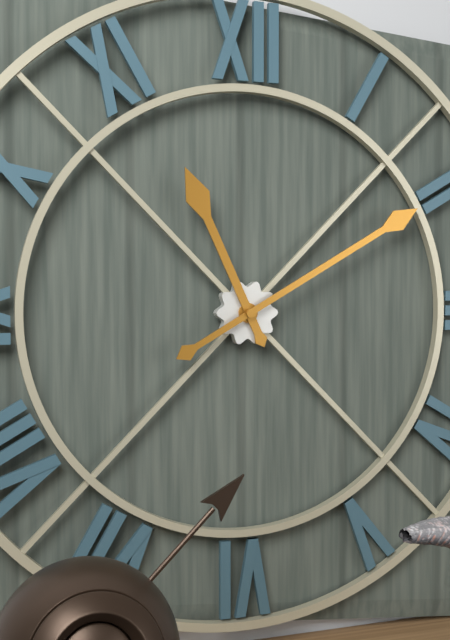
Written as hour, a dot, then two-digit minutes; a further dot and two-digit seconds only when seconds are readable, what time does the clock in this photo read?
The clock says 11.10
